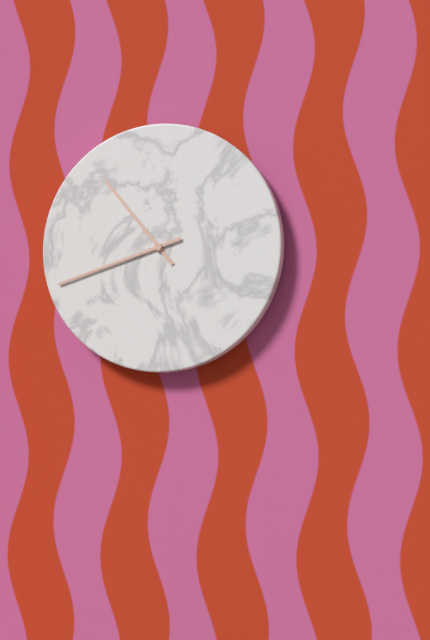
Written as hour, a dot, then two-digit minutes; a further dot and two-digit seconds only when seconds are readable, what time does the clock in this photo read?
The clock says 10.42
